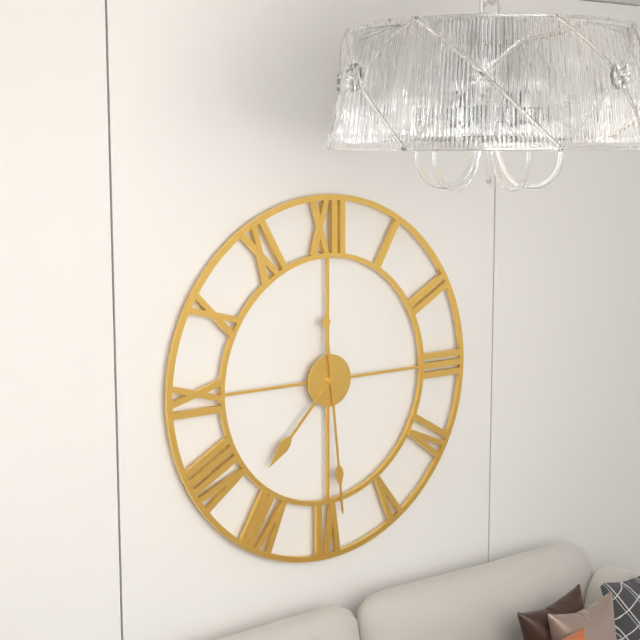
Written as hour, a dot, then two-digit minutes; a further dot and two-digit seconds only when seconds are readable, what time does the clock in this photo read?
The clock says 7.29
